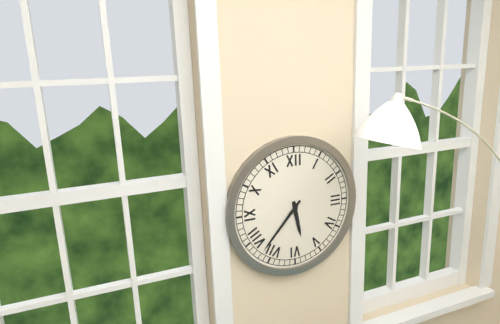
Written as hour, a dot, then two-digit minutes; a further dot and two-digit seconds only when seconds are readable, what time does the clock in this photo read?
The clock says 5.37
